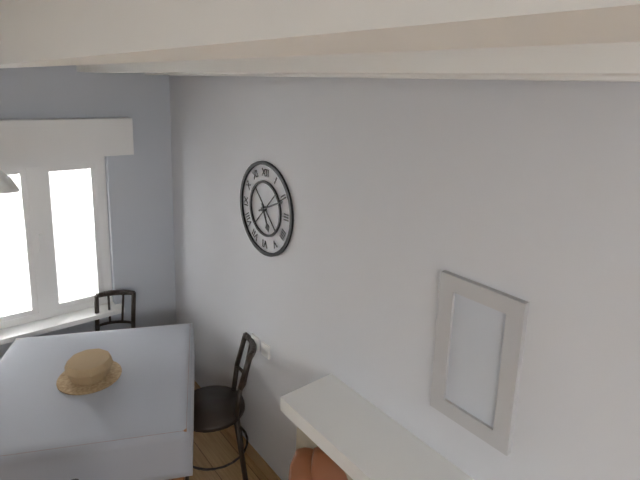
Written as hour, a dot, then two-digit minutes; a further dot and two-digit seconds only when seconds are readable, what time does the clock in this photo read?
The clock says 5.11
